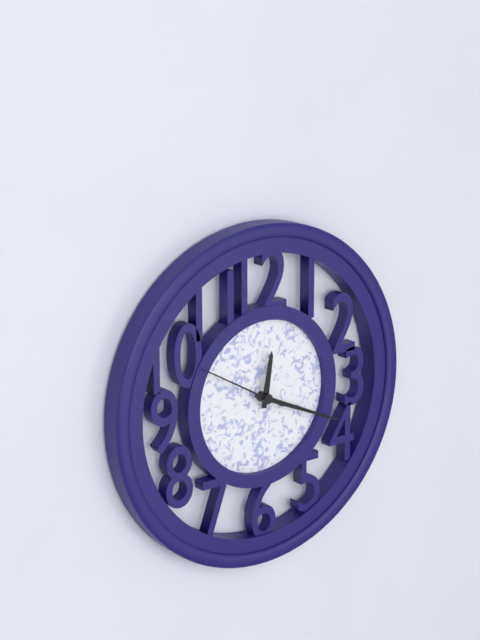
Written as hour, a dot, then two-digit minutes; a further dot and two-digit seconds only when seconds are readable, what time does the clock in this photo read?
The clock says 12.19.50
